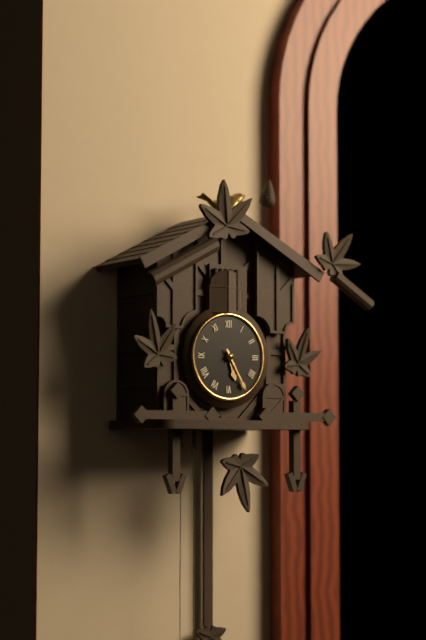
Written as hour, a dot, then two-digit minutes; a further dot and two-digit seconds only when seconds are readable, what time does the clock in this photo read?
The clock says 5.25
